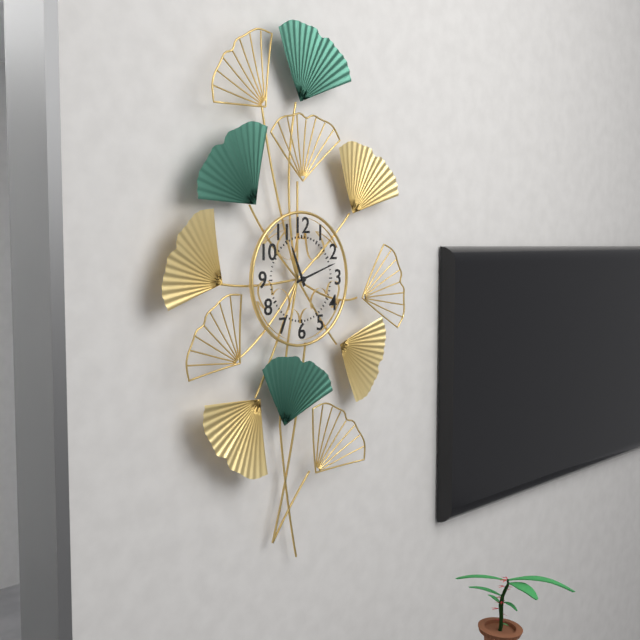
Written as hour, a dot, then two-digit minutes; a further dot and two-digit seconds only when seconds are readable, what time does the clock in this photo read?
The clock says 11.12
